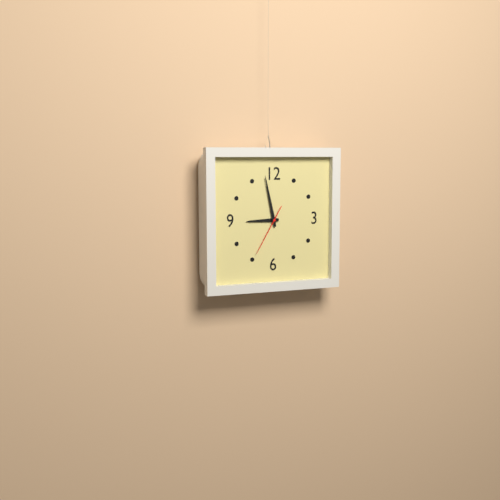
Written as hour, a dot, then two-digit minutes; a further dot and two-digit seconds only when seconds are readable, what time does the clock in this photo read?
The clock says 8.58
